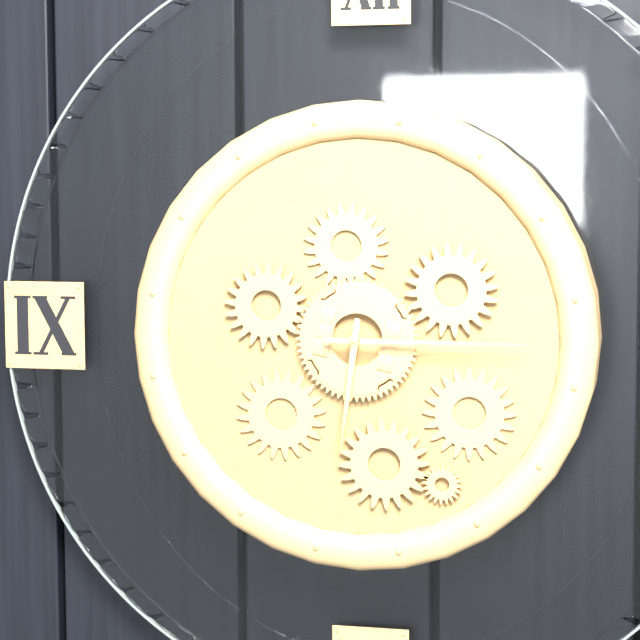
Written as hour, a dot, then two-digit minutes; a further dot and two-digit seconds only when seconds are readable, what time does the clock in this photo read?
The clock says 6.15
